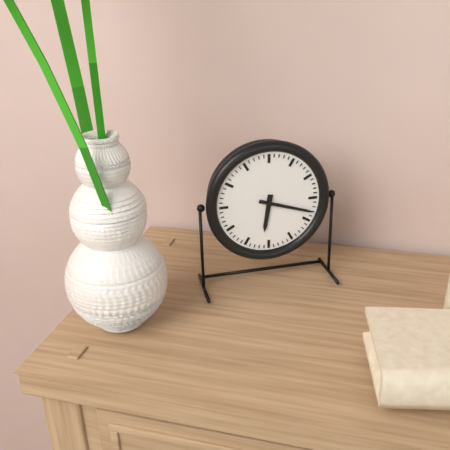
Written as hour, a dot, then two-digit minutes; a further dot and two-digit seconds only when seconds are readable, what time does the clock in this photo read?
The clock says 6.18
